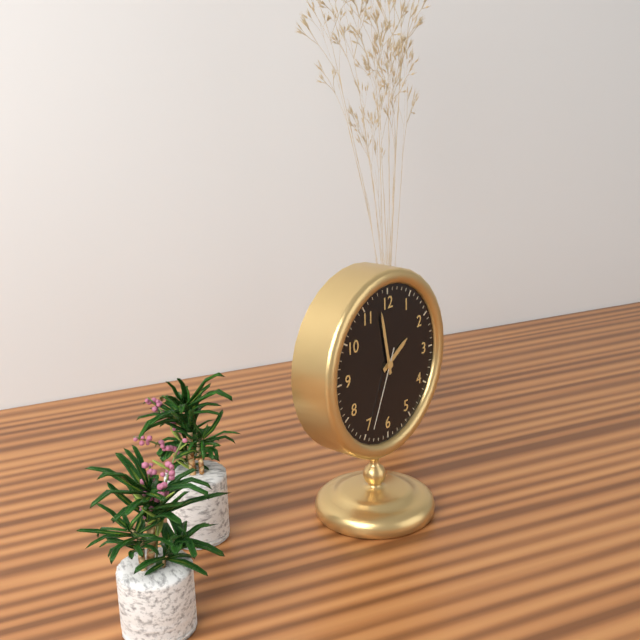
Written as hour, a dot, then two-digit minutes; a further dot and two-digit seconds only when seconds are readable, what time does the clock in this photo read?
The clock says 1.58.34
